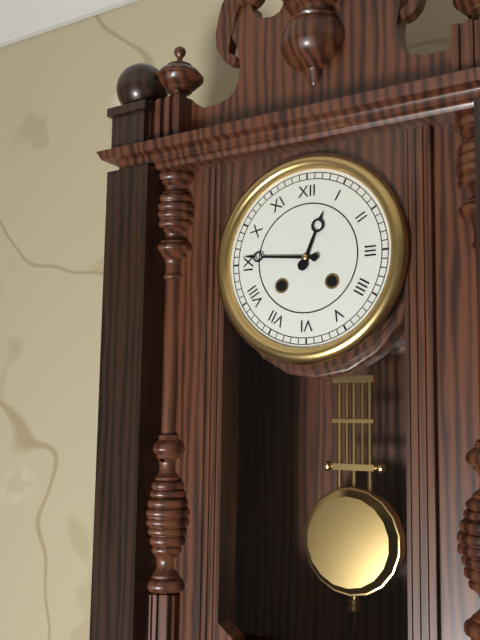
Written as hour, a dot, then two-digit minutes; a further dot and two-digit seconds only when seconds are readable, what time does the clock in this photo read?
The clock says 12.46
